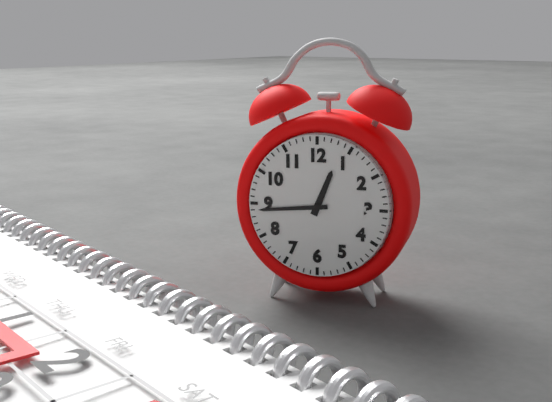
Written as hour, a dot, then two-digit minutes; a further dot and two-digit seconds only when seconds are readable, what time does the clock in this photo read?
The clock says 12.44
